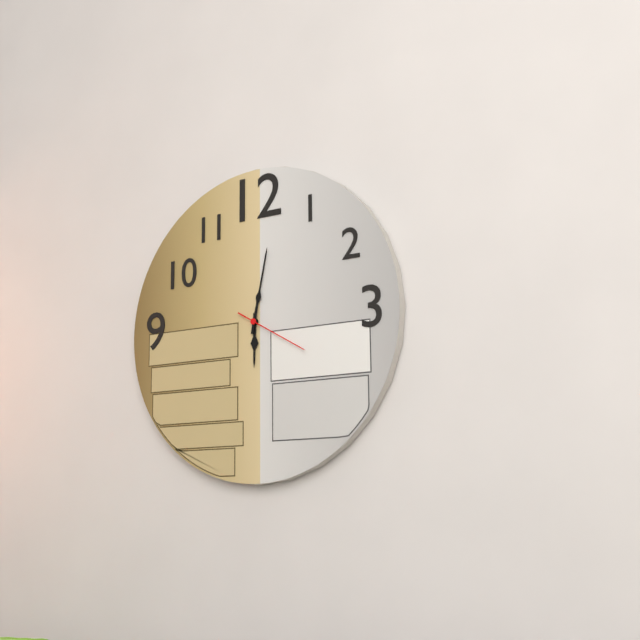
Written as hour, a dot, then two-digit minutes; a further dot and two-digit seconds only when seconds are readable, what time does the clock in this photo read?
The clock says 6.02.20
